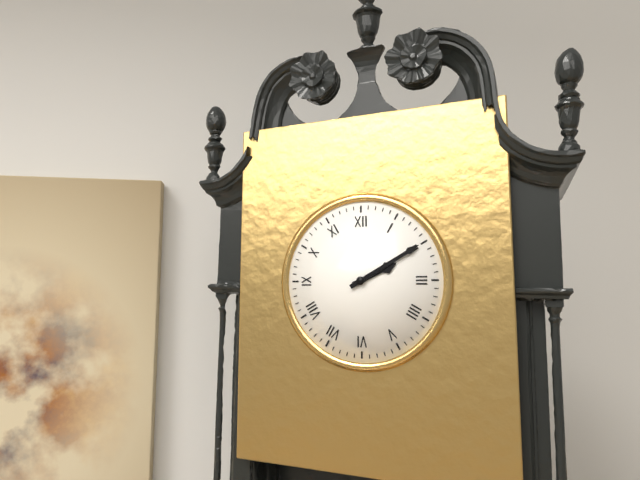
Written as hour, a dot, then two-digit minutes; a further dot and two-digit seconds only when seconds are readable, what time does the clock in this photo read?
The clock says 2.10
